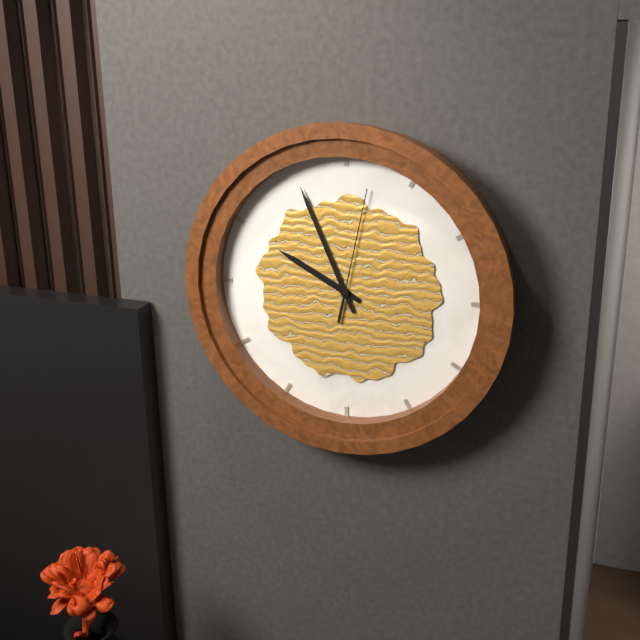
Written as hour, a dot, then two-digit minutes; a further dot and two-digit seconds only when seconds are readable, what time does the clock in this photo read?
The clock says 9.56.02
